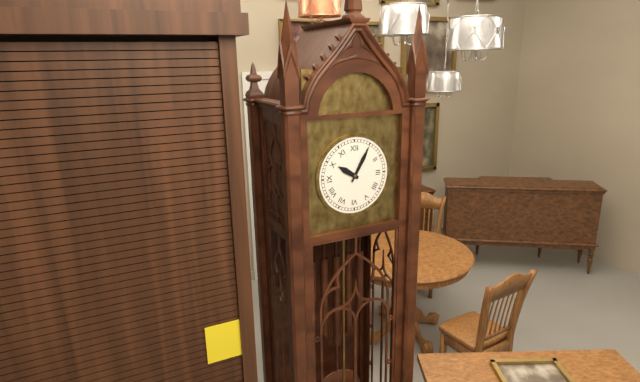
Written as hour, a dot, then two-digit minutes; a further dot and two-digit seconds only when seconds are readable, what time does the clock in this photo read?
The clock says 10.05
